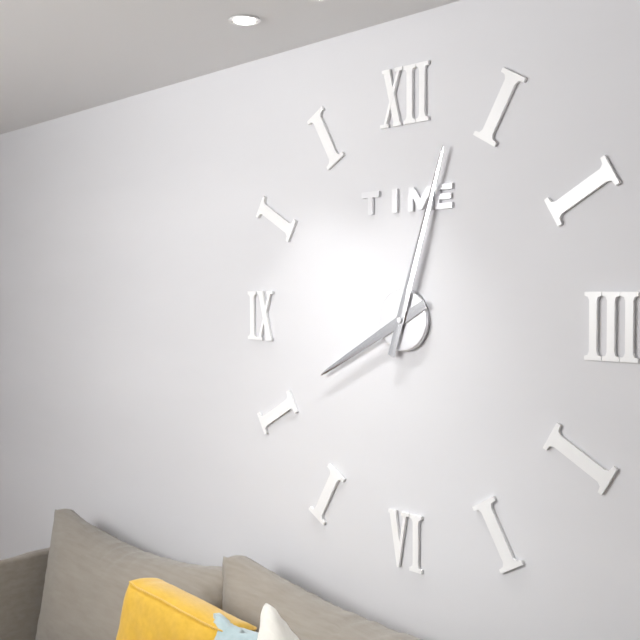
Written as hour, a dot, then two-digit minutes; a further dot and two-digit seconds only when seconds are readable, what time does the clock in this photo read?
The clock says 8.03
